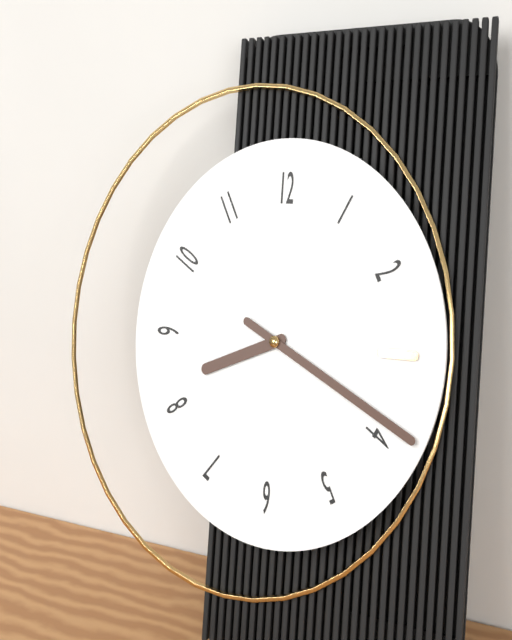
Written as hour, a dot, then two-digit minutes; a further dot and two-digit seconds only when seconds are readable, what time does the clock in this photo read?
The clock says 8.19
